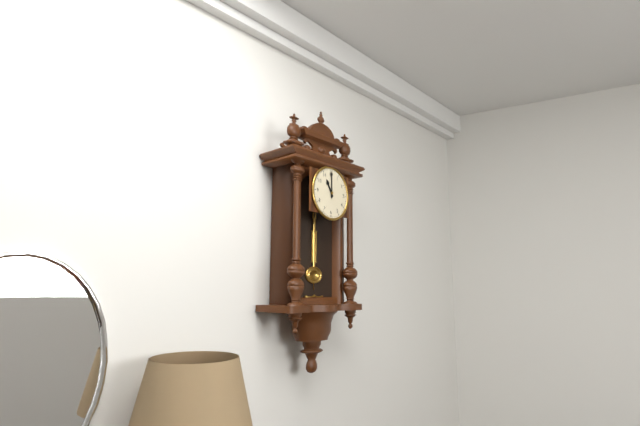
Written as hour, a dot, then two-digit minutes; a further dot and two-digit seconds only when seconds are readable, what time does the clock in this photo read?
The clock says 11.00
